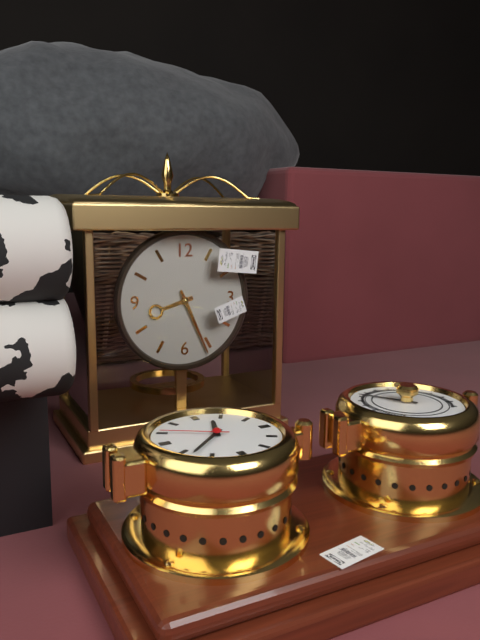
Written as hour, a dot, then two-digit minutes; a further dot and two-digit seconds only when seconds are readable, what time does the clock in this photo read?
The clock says 8.26
